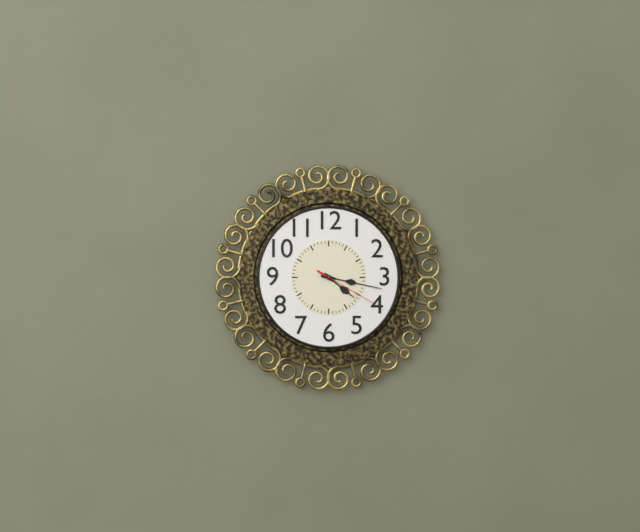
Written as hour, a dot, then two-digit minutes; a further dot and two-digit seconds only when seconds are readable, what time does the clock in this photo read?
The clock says 4.17.20
